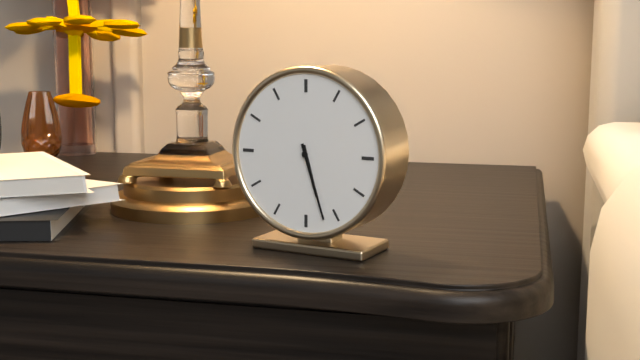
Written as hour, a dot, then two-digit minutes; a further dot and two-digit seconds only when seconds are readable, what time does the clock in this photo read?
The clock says 5.27
